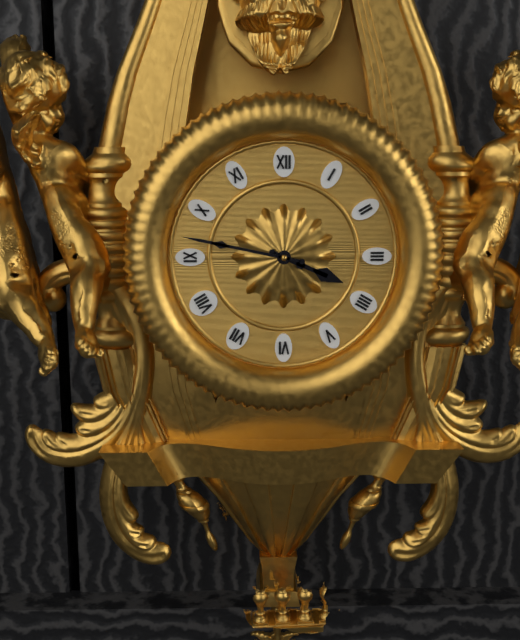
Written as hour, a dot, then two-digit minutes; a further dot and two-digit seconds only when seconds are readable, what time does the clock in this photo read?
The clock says 3.47
